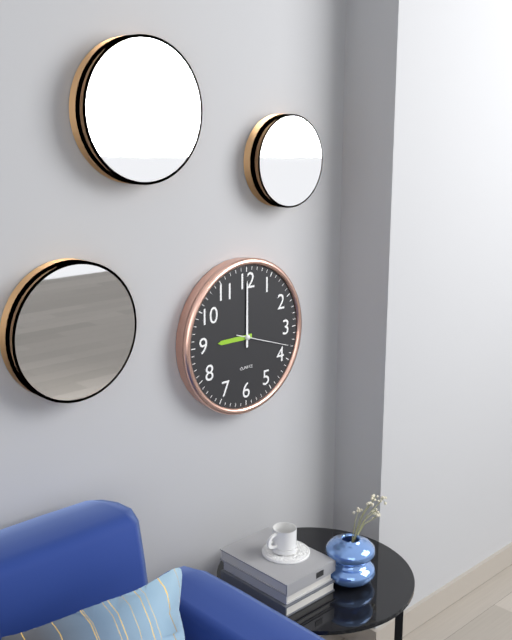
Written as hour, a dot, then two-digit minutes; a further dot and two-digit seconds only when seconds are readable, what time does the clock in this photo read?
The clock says 9.00.18
